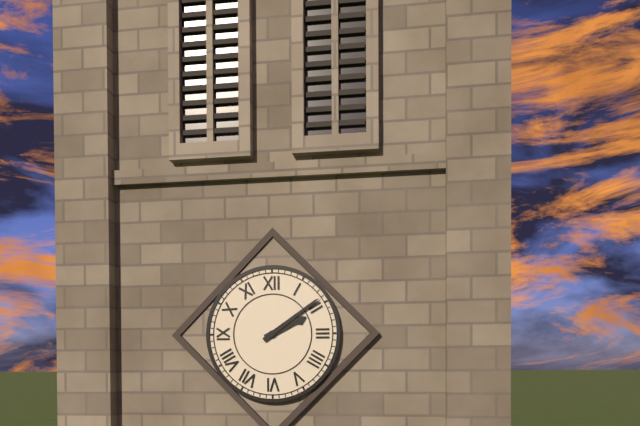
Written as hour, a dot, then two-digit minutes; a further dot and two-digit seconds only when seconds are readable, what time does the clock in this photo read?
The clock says 2.09
